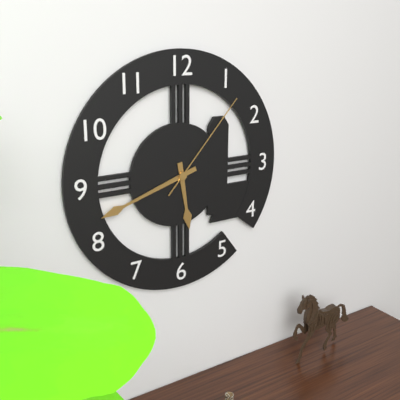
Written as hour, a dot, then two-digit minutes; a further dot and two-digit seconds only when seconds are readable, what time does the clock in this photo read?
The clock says 5.42.07
